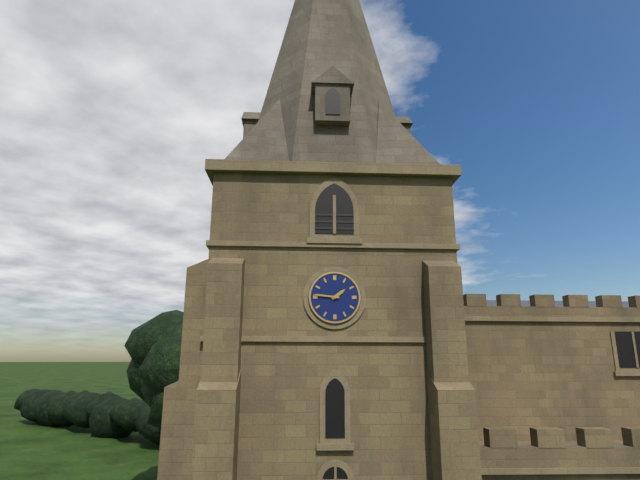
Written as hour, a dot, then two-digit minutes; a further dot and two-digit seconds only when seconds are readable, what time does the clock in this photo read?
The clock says 1.46
